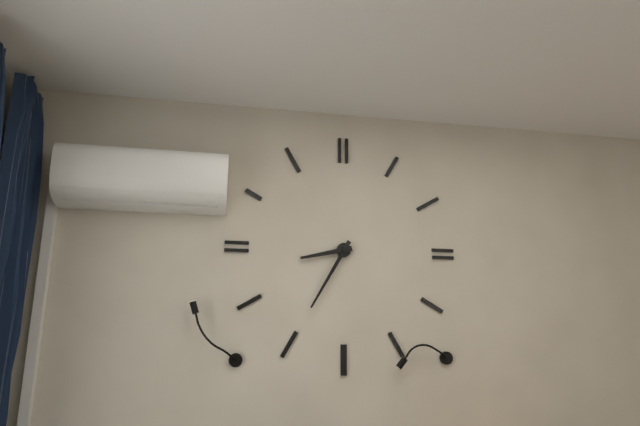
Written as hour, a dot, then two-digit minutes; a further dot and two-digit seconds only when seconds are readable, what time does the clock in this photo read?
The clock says 8.35
